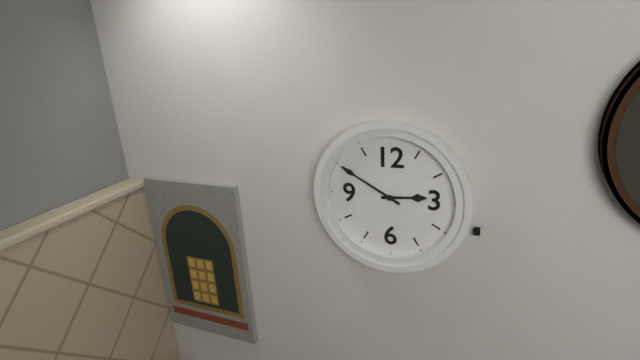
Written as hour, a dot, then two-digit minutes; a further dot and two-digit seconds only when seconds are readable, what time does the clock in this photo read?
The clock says 2.50
